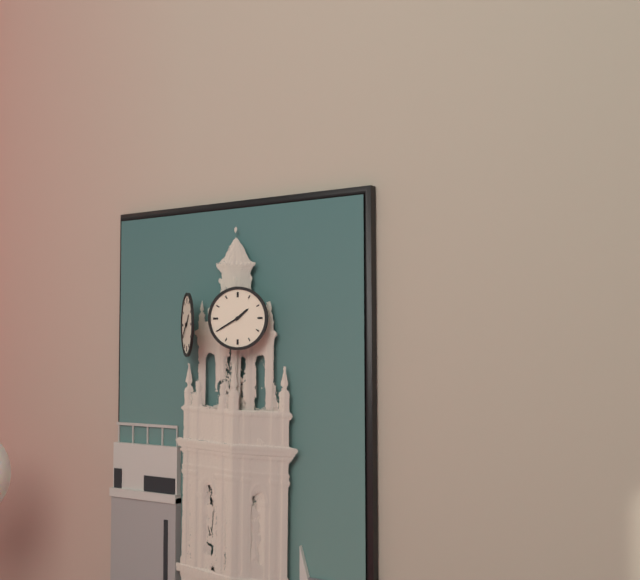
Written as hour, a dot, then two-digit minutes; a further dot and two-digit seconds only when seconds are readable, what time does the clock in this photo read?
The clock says 1.40
